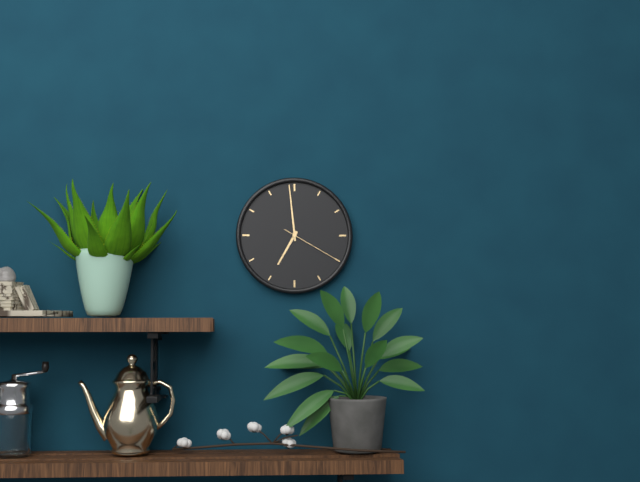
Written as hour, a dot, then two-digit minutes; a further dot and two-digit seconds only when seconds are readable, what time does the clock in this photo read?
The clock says 6.59.20
